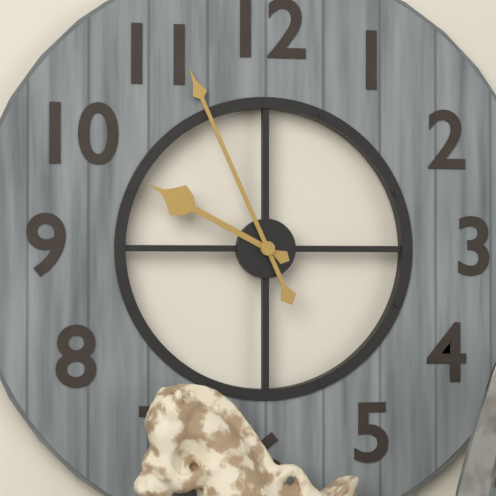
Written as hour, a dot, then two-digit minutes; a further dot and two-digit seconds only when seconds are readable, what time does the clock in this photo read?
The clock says 9.56
